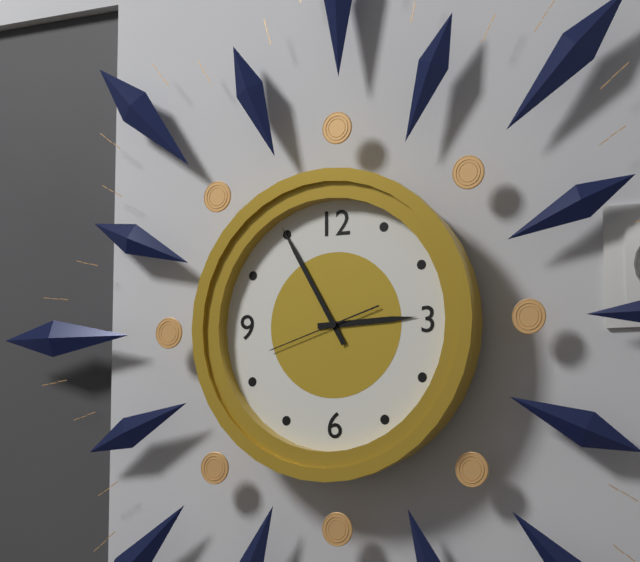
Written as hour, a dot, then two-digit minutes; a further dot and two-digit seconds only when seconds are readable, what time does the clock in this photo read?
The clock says 2.55.42
